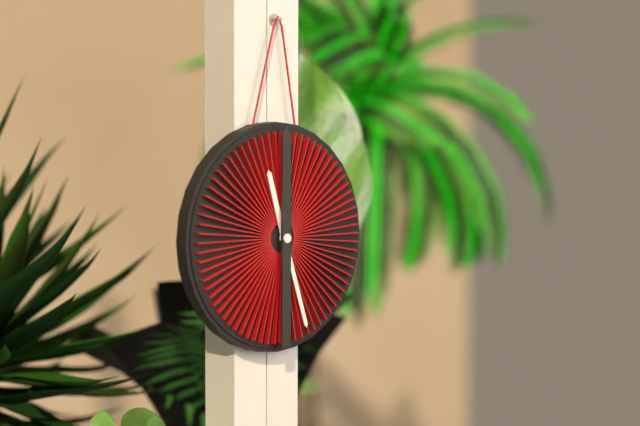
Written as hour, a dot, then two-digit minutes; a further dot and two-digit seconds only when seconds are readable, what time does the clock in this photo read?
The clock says 11.27.00
